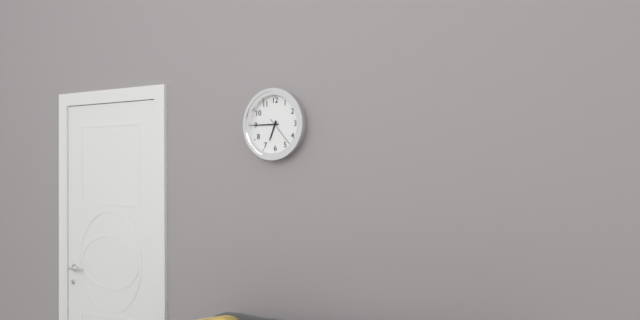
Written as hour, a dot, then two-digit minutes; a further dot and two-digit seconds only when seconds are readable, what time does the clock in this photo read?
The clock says 6.45
